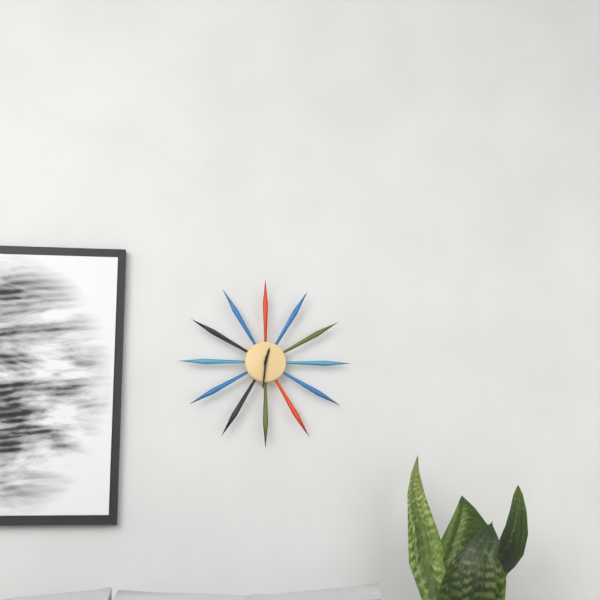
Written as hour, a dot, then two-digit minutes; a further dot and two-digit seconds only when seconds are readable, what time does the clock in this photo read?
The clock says 12.31
